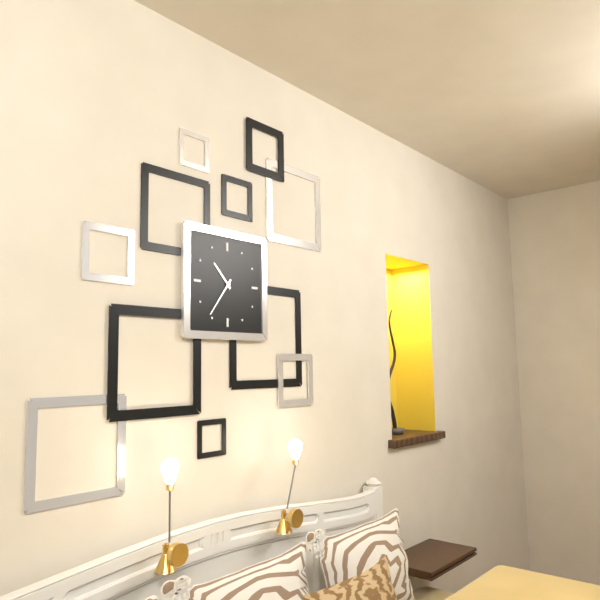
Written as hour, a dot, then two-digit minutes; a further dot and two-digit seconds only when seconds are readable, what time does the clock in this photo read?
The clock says 10.36
